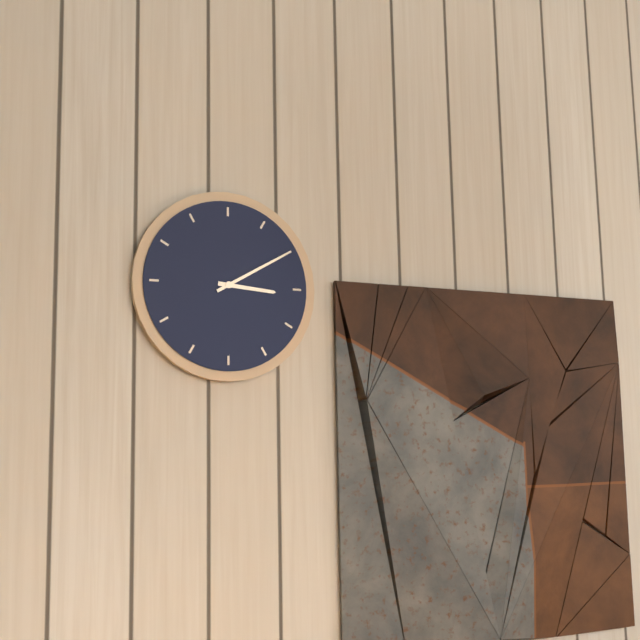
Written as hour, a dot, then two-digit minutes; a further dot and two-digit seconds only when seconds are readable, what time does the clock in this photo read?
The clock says 3.10
